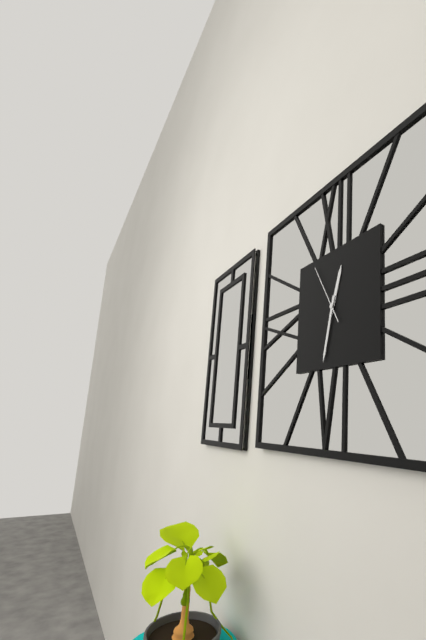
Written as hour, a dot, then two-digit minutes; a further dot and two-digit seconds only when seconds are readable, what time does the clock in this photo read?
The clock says 12.32.55
